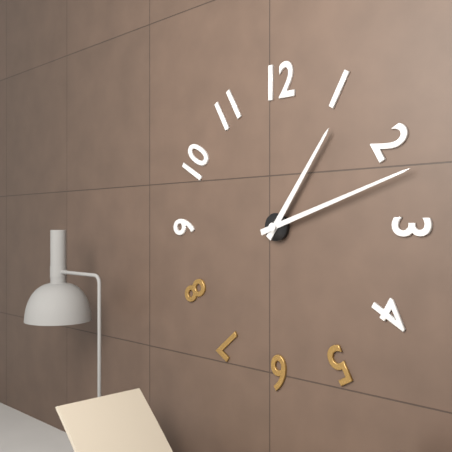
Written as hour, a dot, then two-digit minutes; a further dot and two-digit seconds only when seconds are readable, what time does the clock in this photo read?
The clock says 1.12
